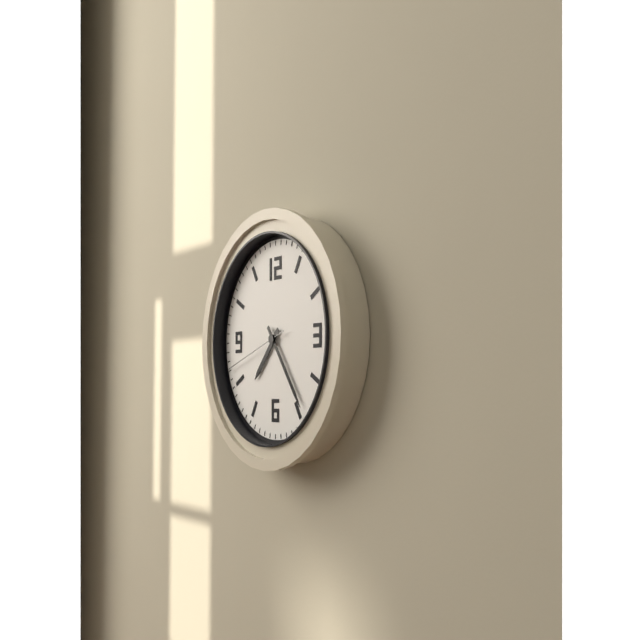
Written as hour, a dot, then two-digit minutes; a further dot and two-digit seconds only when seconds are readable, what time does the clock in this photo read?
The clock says 7.24.42
